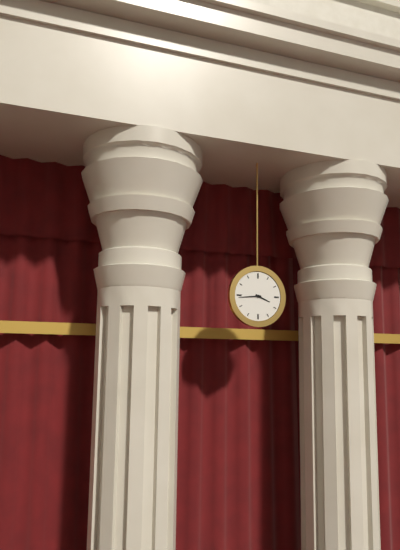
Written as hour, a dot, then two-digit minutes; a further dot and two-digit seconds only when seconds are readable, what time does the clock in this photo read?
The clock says 3.44
